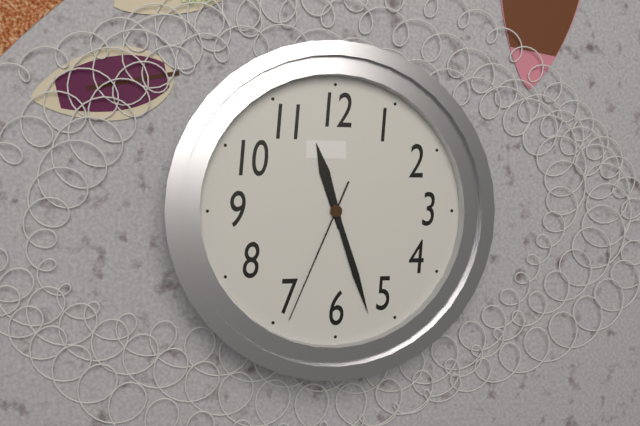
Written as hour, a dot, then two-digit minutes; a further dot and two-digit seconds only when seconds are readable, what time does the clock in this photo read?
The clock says 11.27.34
